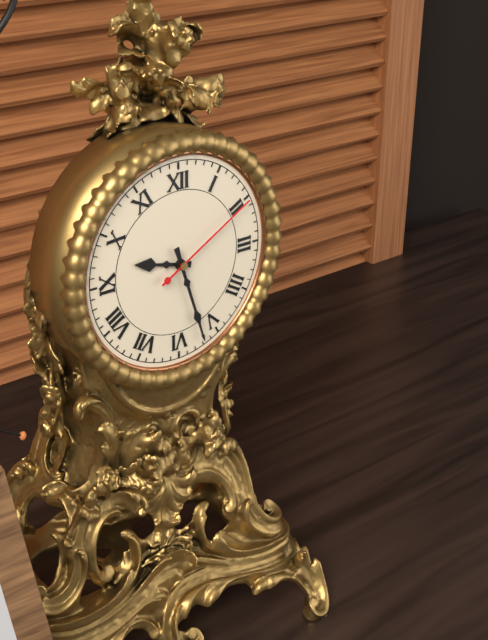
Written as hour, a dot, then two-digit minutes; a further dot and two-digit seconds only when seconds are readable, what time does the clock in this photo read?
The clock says 9.27.10
